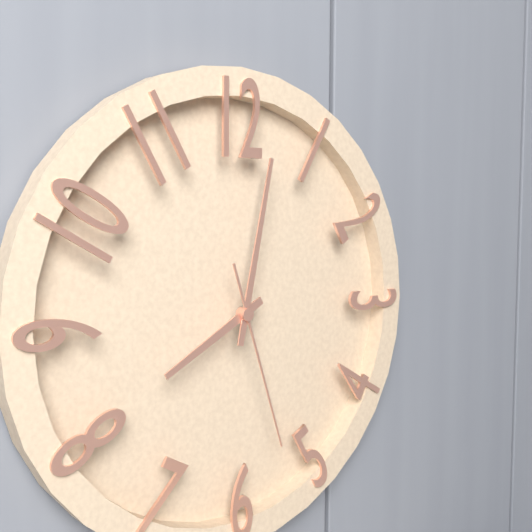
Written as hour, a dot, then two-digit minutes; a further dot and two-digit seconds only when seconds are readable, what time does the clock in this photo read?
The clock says 8.02.27
